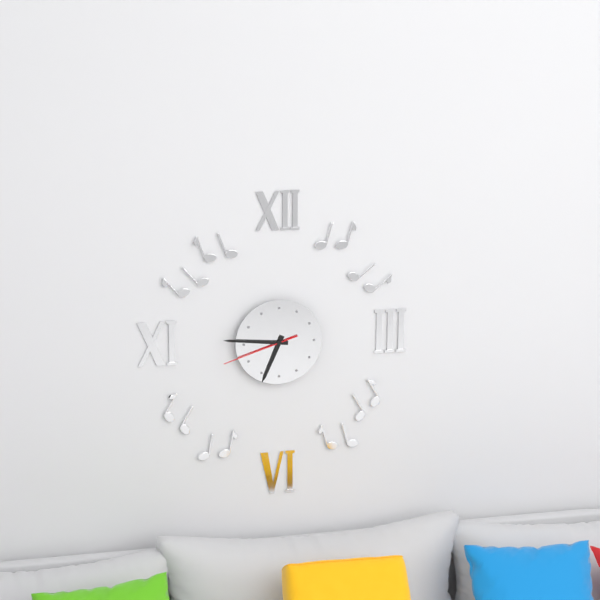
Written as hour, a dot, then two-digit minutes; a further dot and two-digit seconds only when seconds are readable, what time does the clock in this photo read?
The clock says 6.46.42
